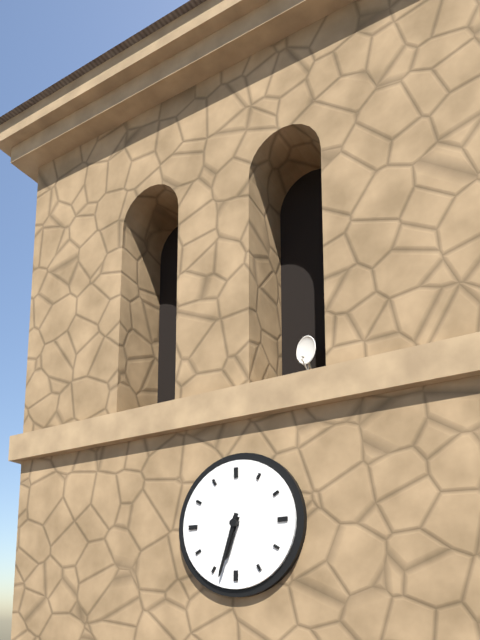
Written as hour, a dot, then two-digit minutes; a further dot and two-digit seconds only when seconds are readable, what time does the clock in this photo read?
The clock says 6.33
